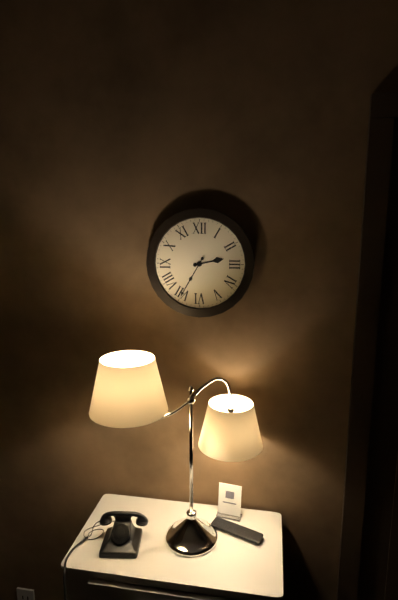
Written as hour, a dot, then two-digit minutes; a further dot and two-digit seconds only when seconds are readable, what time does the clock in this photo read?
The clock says 2.35
